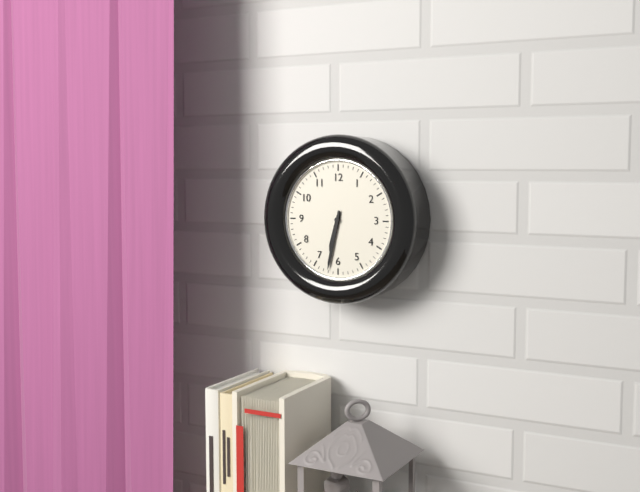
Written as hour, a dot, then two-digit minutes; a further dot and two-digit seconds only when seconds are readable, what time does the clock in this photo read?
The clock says 6.32
